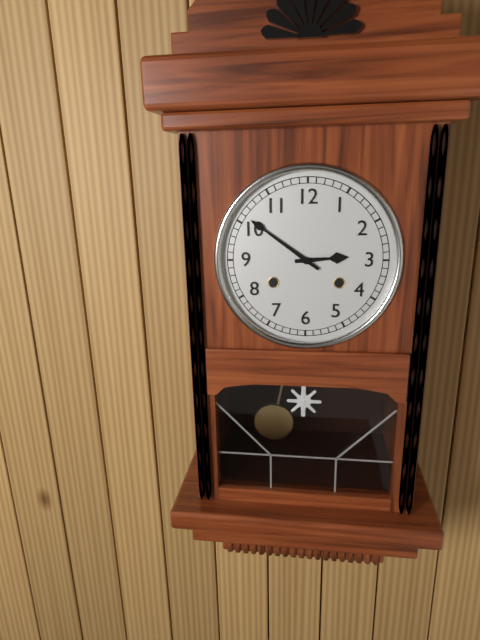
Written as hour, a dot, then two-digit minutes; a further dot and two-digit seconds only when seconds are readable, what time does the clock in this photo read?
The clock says 2.51
